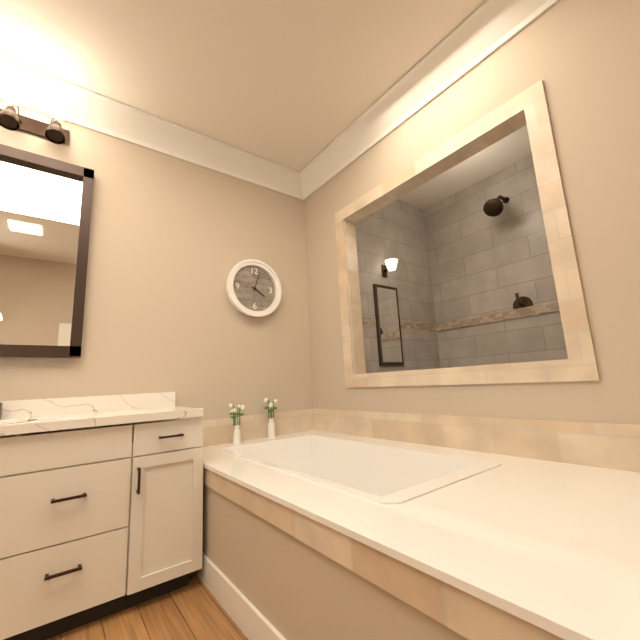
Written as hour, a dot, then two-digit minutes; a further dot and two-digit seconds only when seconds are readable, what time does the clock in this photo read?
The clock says 4.03
